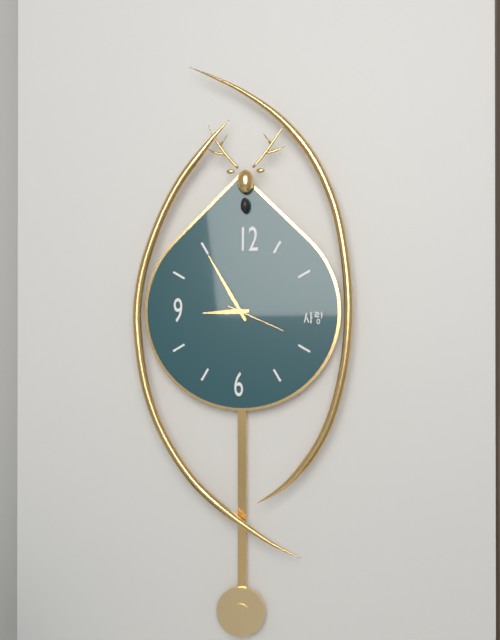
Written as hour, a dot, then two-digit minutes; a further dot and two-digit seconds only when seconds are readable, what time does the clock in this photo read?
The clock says 8.55.19
